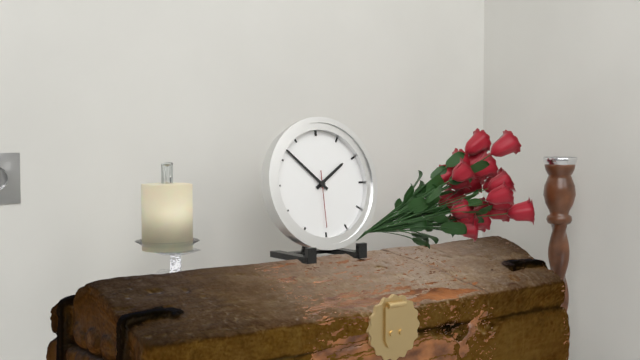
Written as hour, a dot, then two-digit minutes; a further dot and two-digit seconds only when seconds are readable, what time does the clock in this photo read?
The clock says 1.52.30
